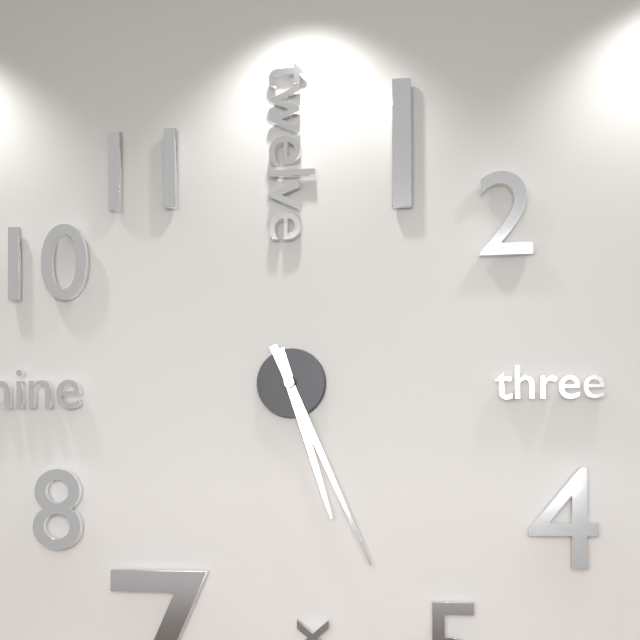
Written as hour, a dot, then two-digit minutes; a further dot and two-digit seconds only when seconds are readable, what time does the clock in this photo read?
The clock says 5.26
